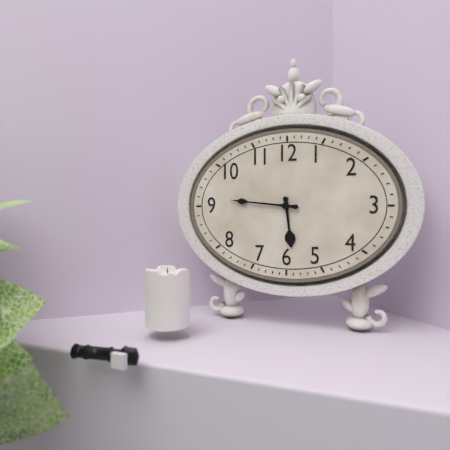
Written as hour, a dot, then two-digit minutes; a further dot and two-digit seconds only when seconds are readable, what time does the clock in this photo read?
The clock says 5.46
